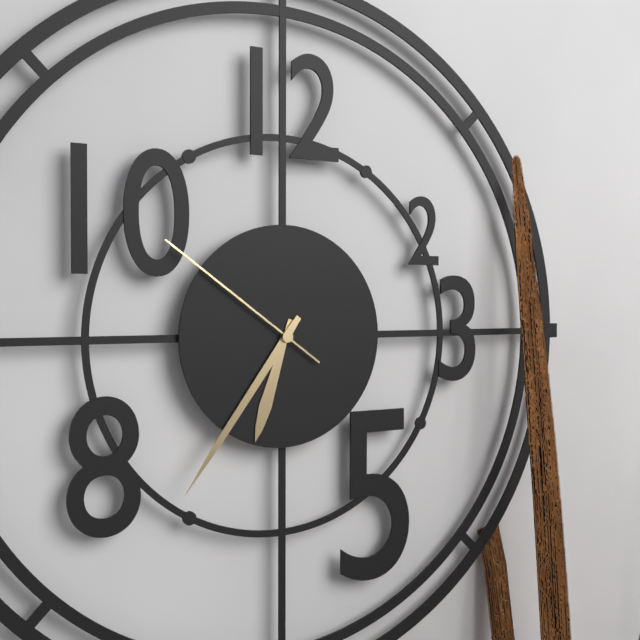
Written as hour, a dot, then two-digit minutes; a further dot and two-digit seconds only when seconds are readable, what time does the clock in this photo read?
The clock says 6.36.51
